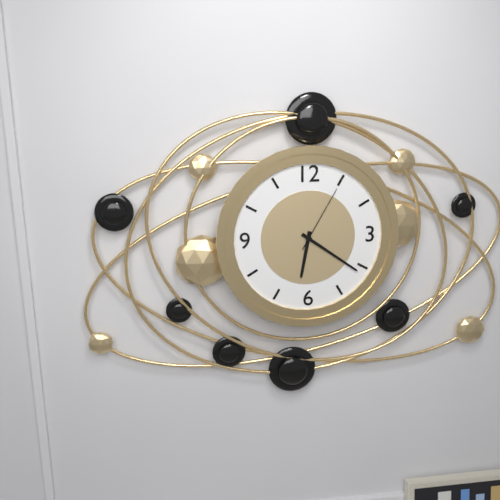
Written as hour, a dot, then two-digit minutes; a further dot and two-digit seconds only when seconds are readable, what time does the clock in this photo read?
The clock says 6.21.05
